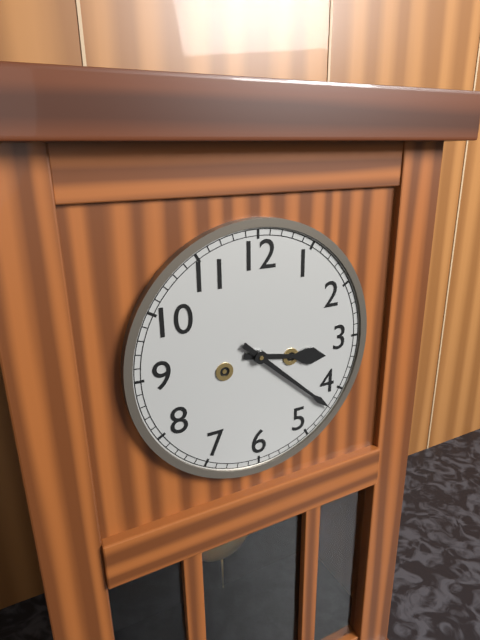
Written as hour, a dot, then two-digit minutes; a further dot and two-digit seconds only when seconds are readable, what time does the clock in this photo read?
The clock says 3.22
